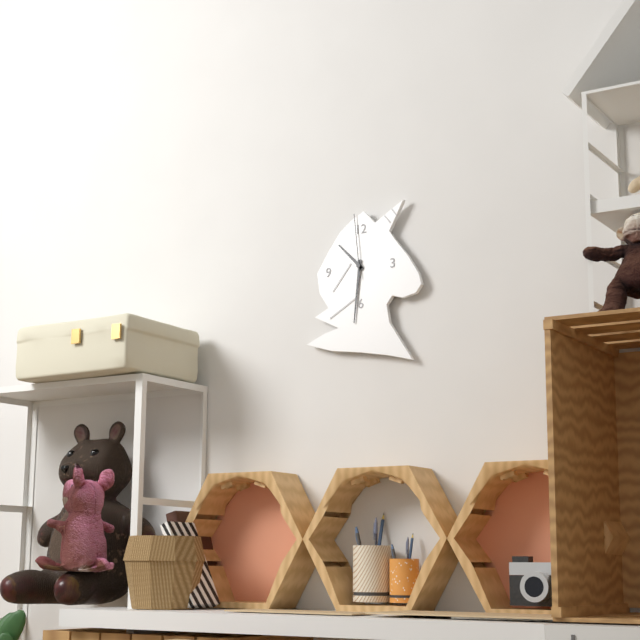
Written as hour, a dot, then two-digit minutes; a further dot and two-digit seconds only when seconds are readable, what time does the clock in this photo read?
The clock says 10.31.59
